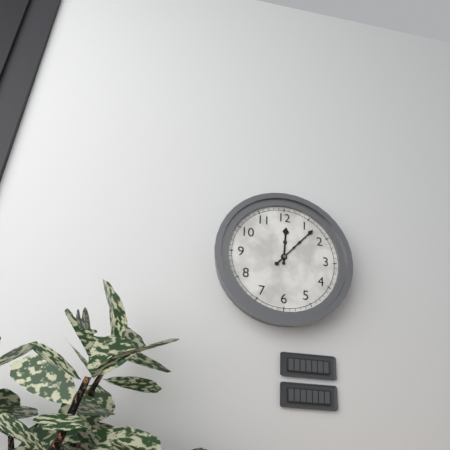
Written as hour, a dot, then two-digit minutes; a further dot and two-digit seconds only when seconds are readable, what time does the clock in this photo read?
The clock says 12.07
